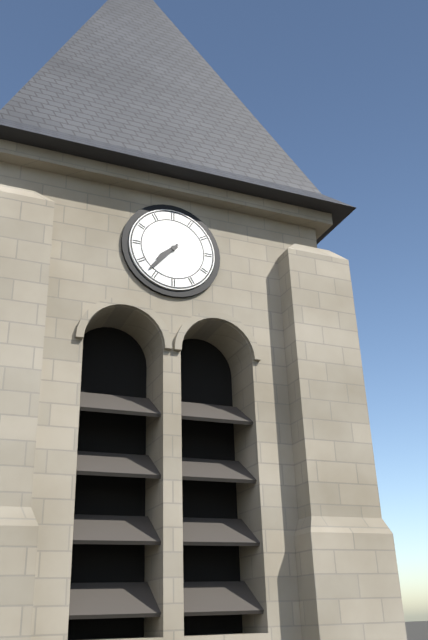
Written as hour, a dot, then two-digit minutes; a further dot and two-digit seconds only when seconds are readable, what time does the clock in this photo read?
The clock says 7.37
